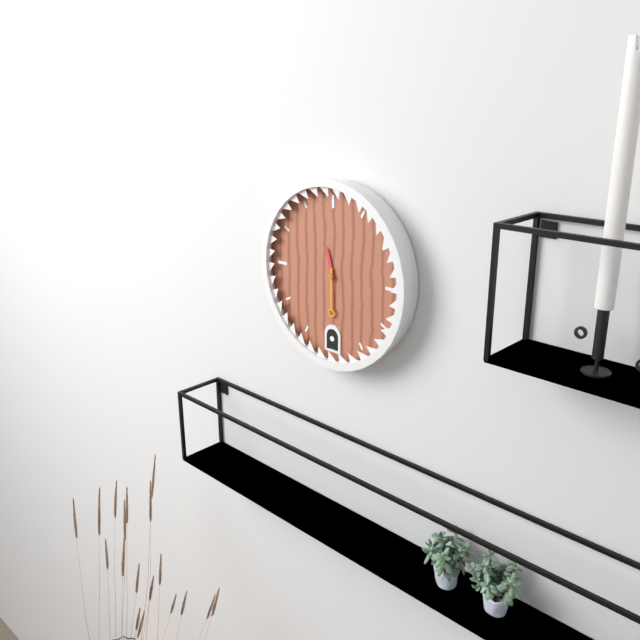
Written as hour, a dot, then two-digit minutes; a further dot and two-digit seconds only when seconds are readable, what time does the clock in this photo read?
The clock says 11.30
